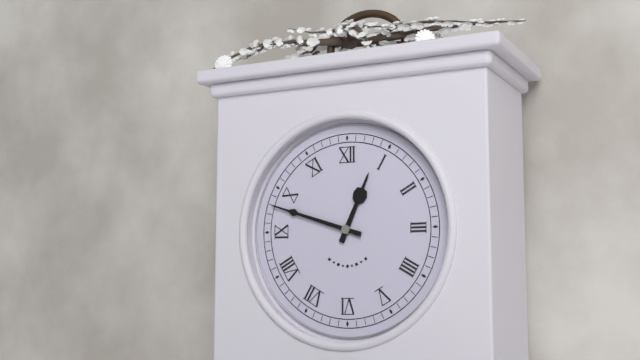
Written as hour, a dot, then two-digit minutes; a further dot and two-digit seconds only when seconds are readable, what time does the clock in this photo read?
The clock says 12.48
